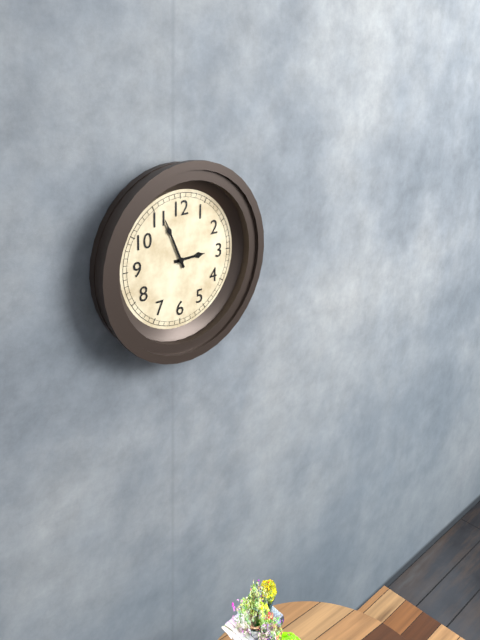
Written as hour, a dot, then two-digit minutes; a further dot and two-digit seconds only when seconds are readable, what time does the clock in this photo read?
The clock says 2.56
